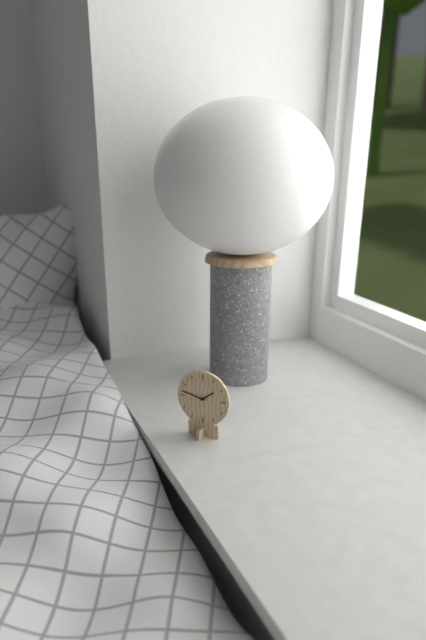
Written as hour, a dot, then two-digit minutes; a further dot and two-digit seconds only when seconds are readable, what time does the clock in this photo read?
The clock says 1.47
